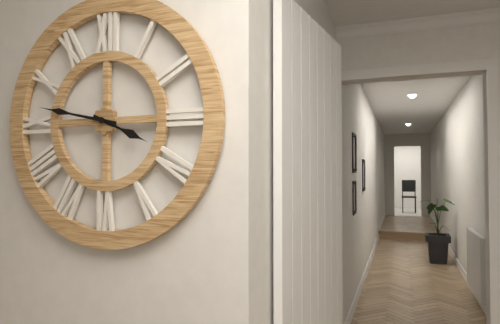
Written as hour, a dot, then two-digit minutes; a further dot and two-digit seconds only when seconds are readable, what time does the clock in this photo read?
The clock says 3.47
